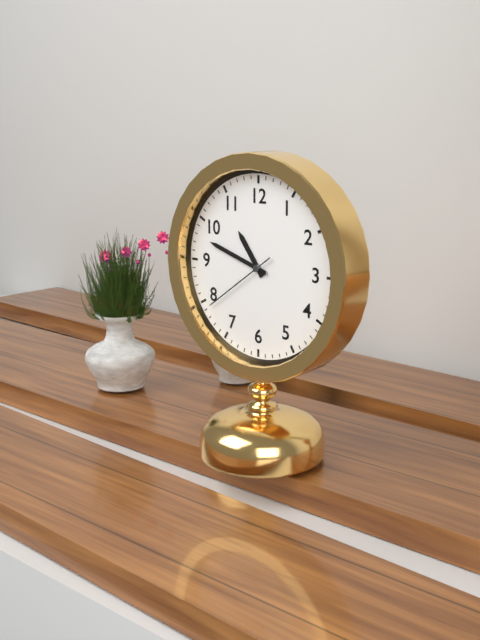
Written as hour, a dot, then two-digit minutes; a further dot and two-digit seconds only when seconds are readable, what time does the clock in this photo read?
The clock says 10.48.39
